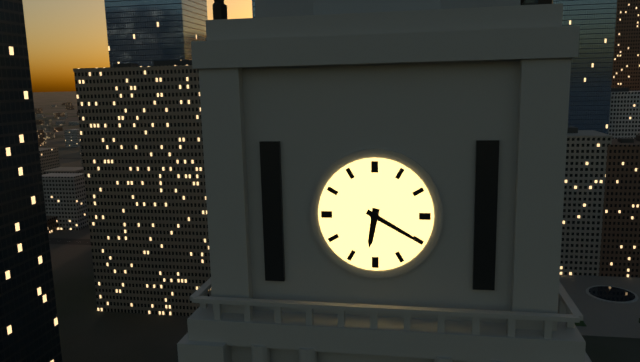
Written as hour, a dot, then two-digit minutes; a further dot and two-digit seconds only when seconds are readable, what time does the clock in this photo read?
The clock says 6.20
